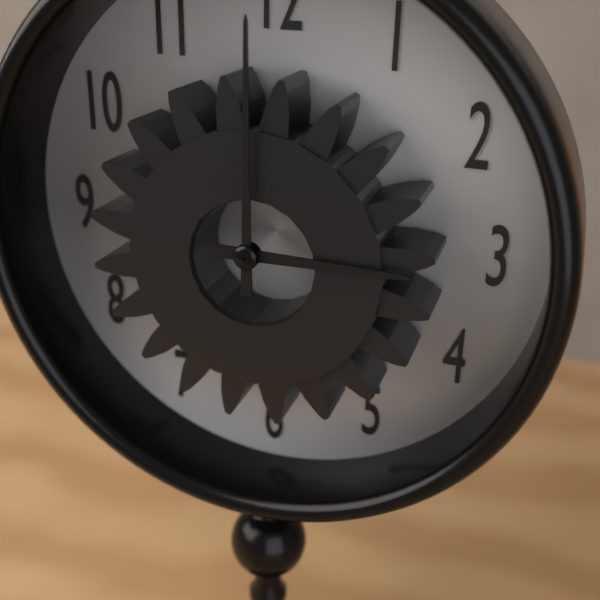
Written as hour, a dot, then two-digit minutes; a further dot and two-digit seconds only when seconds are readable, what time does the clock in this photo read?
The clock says 3.00
